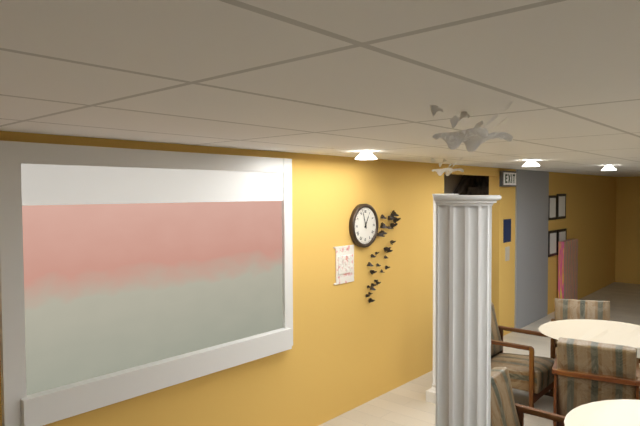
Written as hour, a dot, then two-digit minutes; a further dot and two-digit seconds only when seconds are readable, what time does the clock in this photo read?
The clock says 12.57
